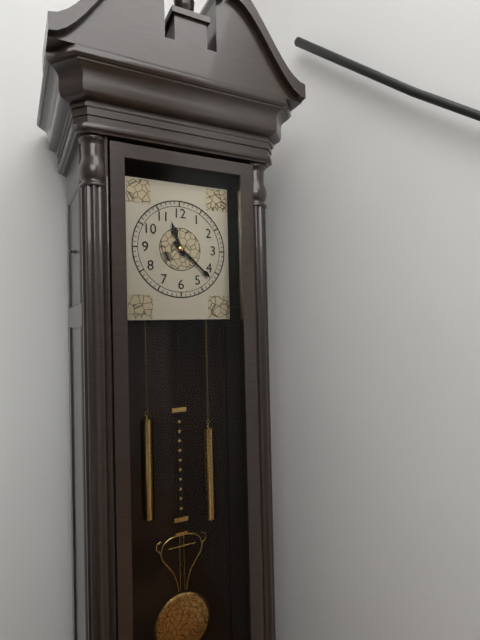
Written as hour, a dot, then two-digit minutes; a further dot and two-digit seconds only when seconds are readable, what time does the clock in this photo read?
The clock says 11.22
